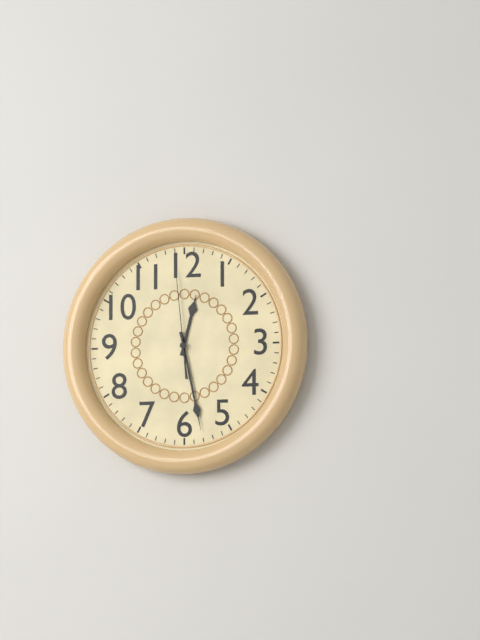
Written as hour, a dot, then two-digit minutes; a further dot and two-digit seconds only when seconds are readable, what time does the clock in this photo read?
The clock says 12.28.59
